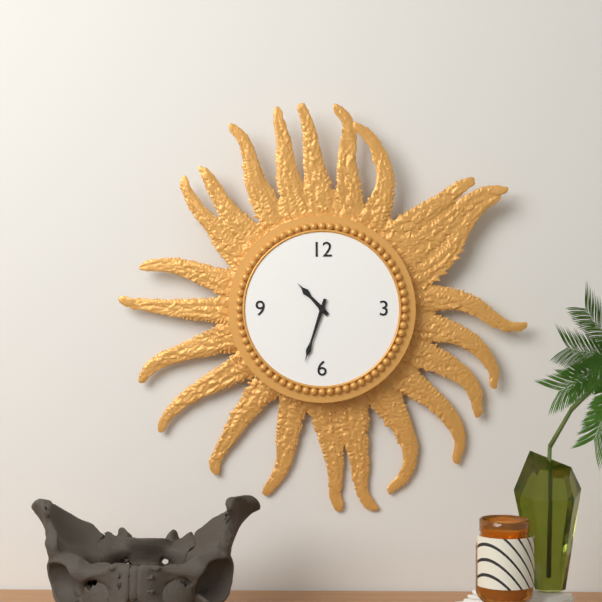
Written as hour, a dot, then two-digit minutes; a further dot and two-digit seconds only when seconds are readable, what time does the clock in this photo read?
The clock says 10.33
